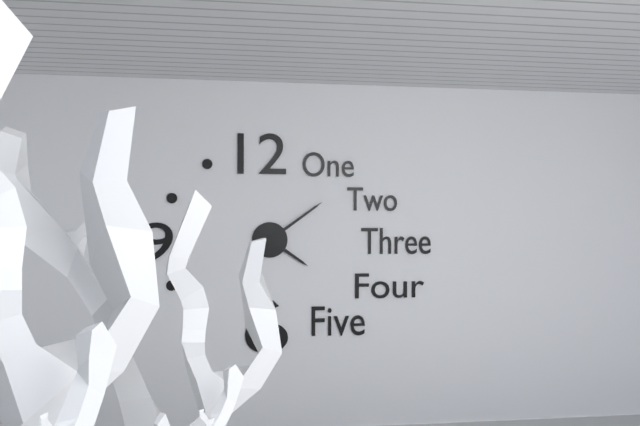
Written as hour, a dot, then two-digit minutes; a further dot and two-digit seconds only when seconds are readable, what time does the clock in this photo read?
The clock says 4.09
